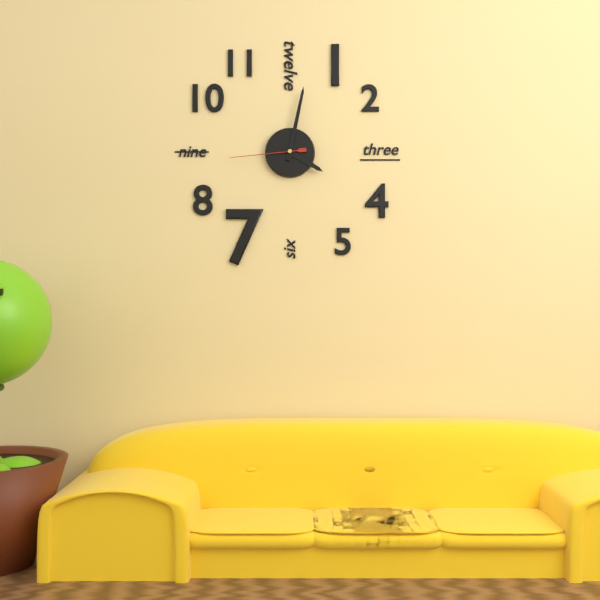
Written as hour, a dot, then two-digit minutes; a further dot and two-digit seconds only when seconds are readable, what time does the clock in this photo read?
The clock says 4.02.44
